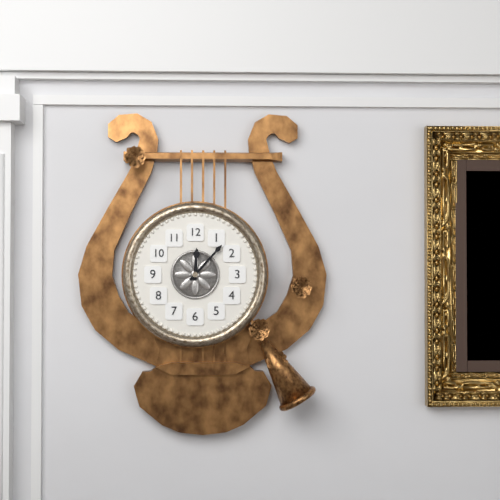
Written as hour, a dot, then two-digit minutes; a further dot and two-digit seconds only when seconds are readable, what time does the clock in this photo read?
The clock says 12.07
